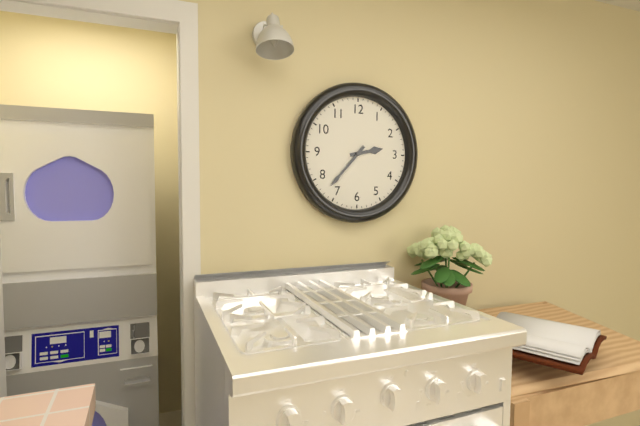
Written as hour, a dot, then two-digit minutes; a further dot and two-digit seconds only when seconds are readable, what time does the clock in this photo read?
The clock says 2.37
